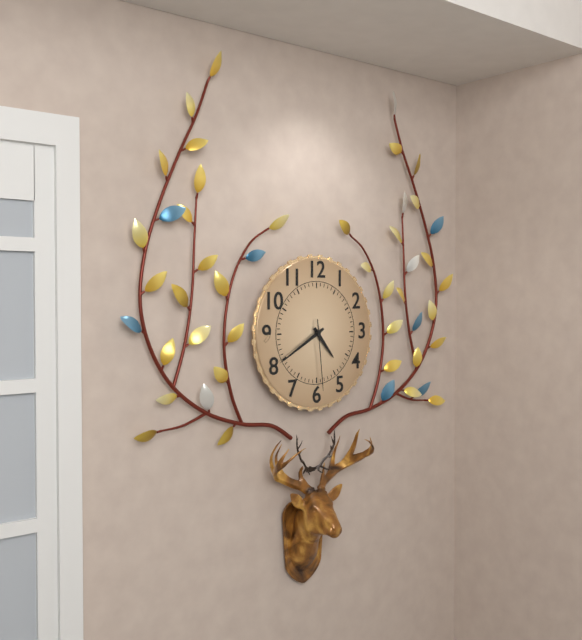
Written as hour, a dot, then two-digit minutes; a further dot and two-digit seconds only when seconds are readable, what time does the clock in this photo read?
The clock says 4.40.29
